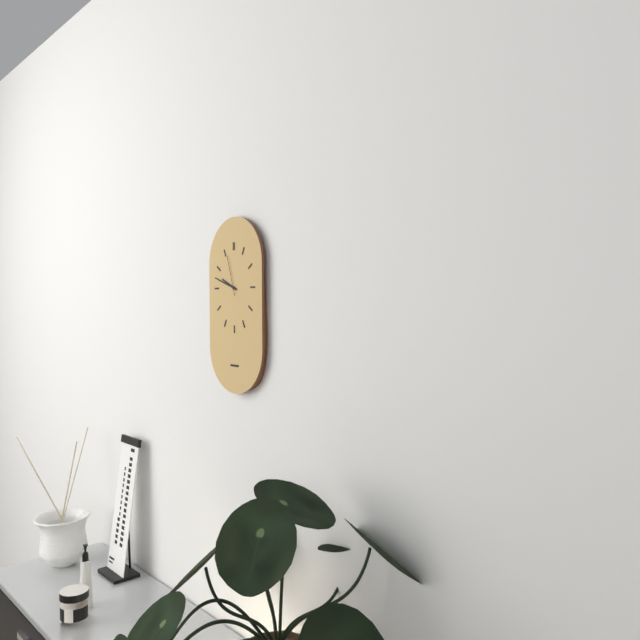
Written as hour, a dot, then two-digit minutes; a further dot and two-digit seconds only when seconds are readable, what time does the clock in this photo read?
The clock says 9.48
